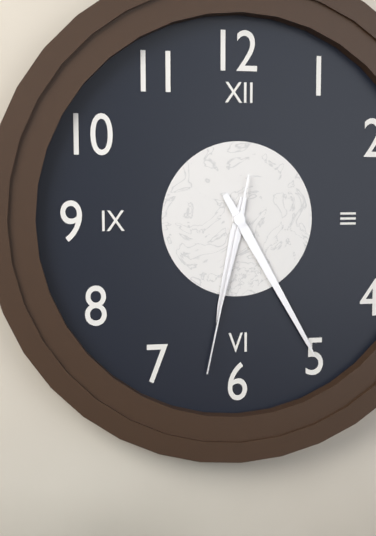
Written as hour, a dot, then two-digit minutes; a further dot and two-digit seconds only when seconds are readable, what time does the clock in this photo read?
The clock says 6.25.32
